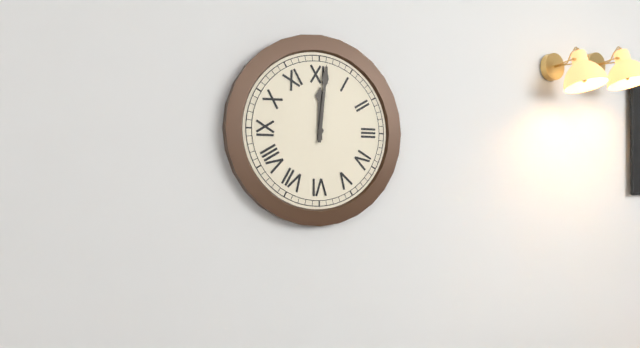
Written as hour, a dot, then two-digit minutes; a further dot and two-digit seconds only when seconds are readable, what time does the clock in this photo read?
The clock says 12.01
